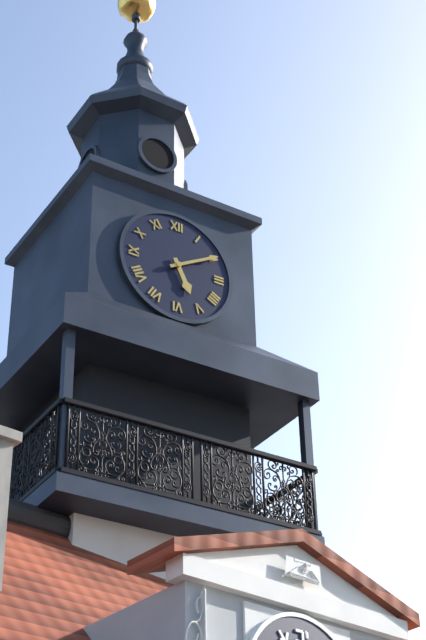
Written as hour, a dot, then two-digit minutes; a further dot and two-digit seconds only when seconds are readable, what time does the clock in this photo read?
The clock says 5.10
